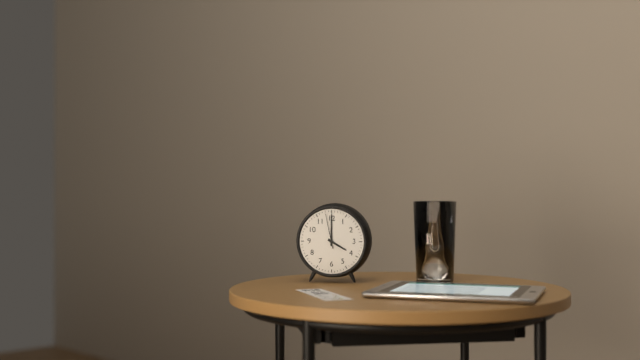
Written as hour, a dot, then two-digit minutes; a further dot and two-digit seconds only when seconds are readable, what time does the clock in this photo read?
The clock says 4.00
